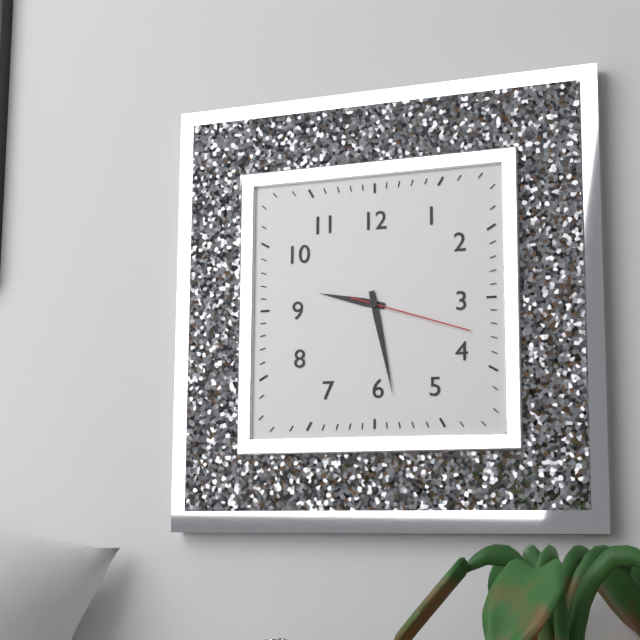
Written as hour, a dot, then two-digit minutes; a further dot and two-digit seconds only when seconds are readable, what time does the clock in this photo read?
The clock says 9.28.18
